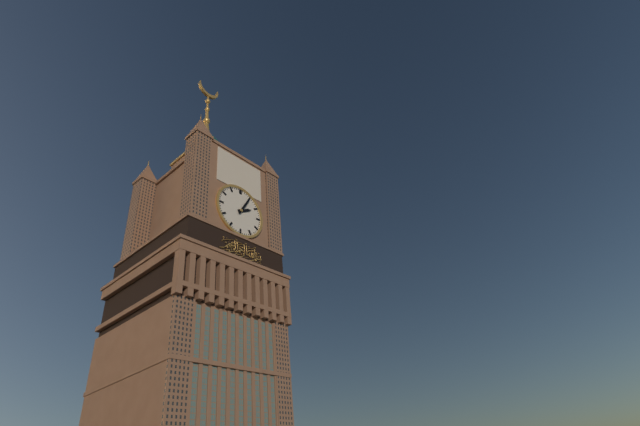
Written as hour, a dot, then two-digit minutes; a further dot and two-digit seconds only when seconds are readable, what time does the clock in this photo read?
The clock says 2.05
